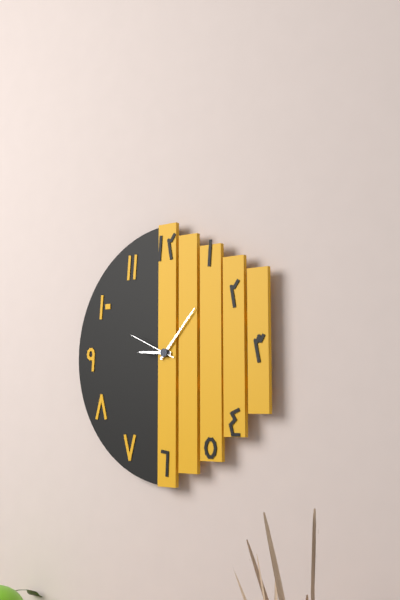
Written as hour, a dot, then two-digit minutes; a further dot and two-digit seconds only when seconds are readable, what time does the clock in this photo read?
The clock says 9.07.49
